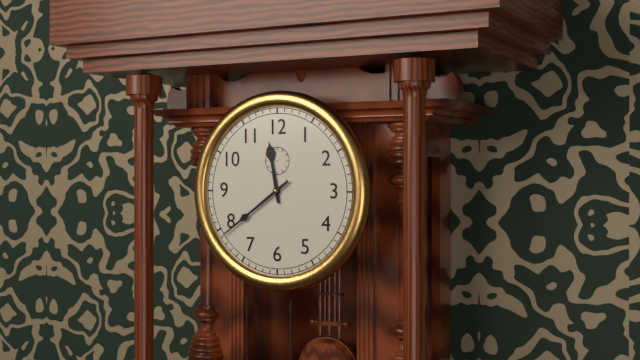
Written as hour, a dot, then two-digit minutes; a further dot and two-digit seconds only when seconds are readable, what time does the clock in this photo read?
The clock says 11.39
